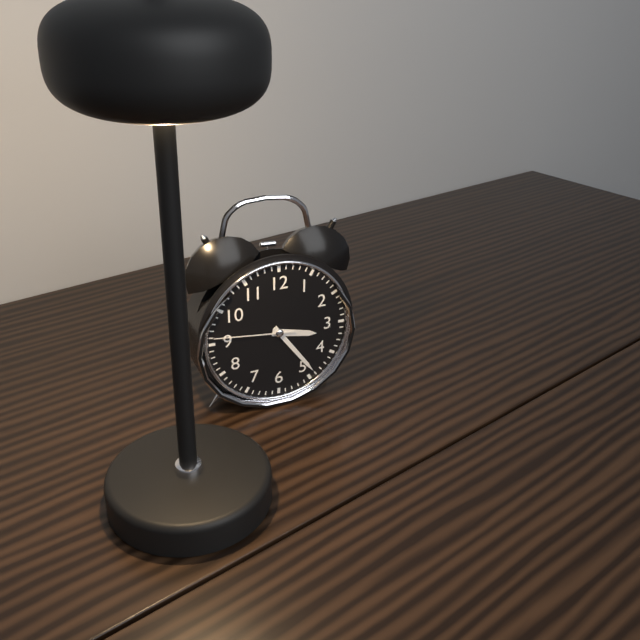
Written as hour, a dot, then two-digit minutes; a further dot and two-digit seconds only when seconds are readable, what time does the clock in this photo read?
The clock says 3.24.46
